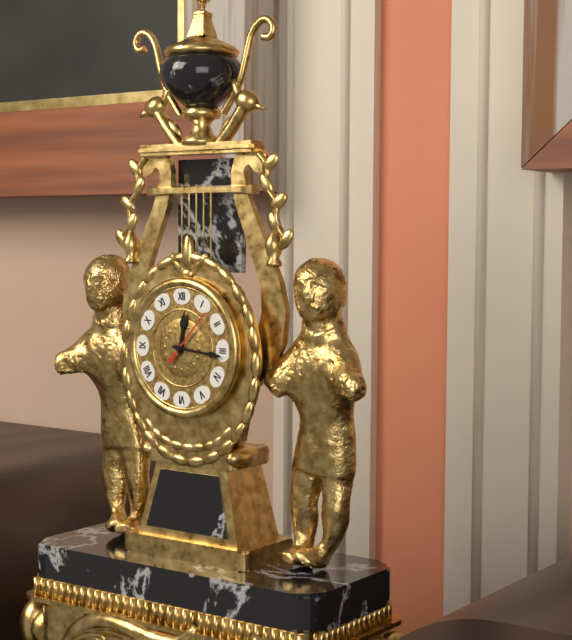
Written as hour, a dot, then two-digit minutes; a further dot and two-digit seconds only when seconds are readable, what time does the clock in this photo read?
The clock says 12.16.07
